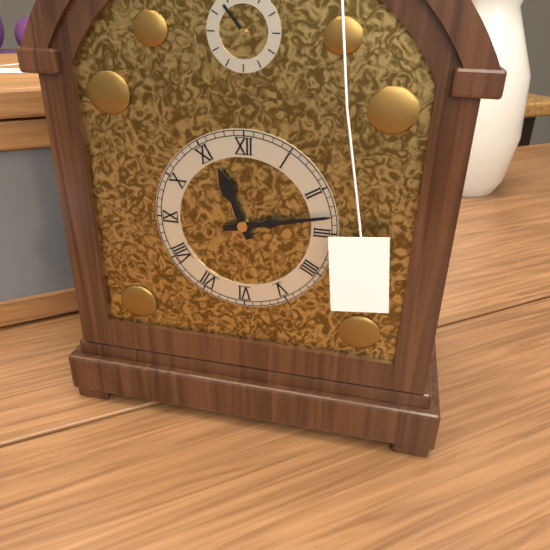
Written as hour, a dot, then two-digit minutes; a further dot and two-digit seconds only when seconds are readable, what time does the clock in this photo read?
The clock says 11.13
